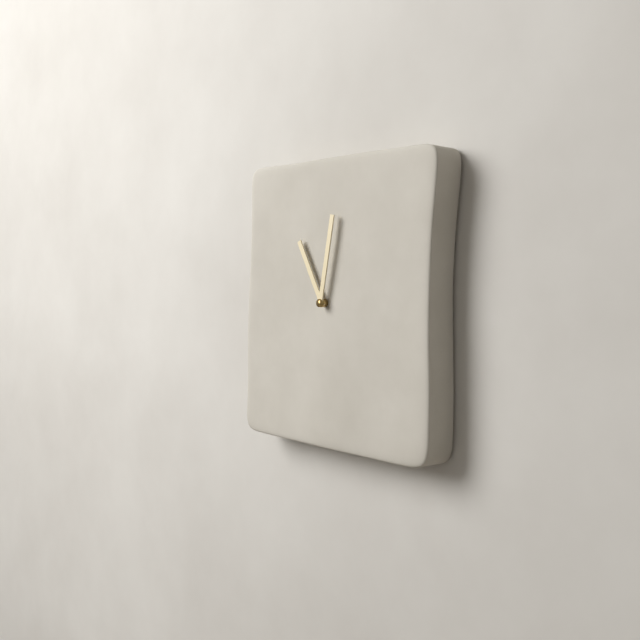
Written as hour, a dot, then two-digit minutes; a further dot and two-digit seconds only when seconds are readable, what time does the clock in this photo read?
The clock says 11.02
